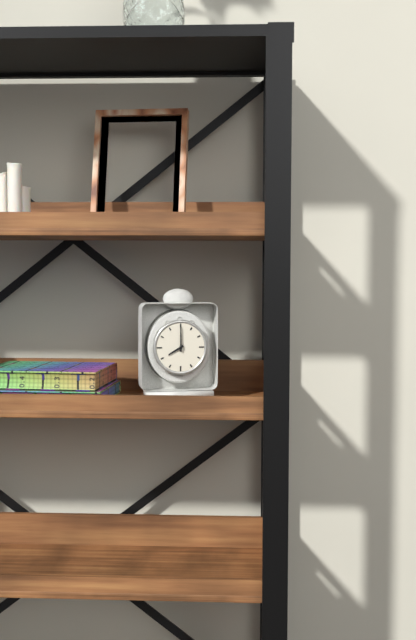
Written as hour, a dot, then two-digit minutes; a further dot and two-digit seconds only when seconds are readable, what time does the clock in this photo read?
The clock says 8.00
